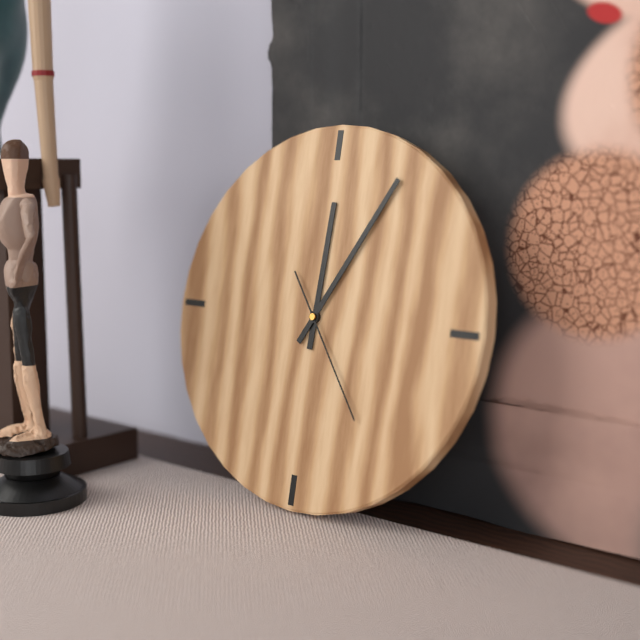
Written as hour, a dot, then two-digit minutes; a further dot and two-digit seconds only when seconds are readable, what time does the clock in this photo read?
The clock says 12.05.24
